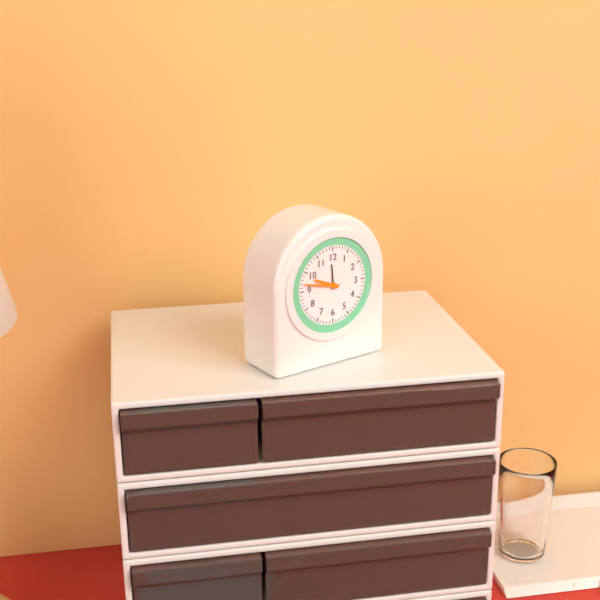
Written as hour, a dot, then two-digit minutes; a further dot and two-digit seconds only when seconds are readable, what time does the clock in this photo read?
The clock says 9.47
